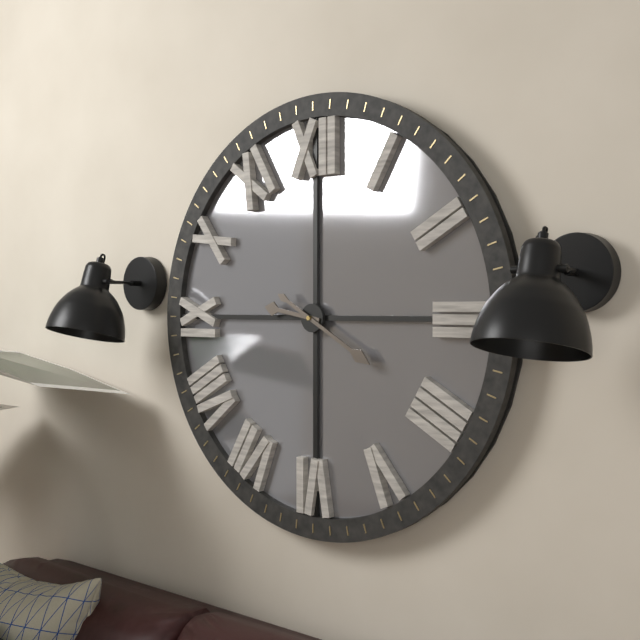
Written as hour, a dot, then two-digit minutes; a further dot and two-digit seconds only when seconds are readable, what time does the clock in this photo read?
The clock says 9.20
